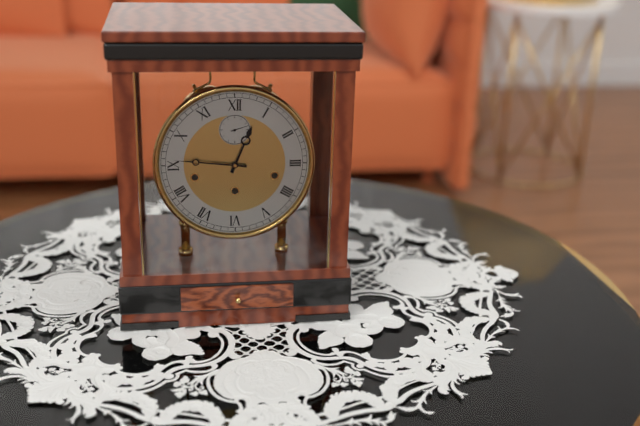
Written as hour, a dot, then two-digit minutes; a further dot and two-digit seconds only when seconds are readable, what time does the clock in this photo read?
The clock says 12.46
